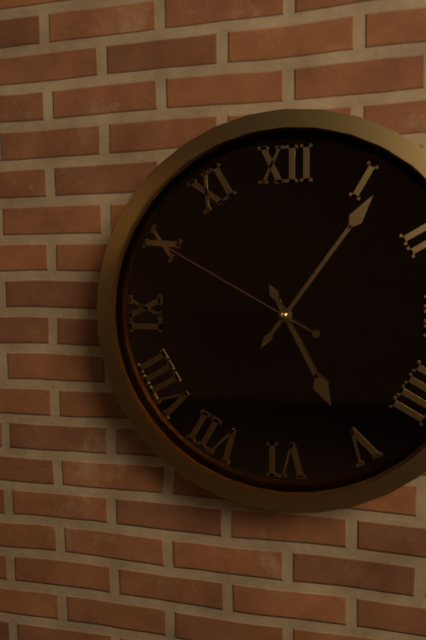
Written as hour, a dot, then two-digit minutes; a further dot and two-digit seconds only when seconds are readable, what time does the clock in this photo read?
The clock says 5.06.50
